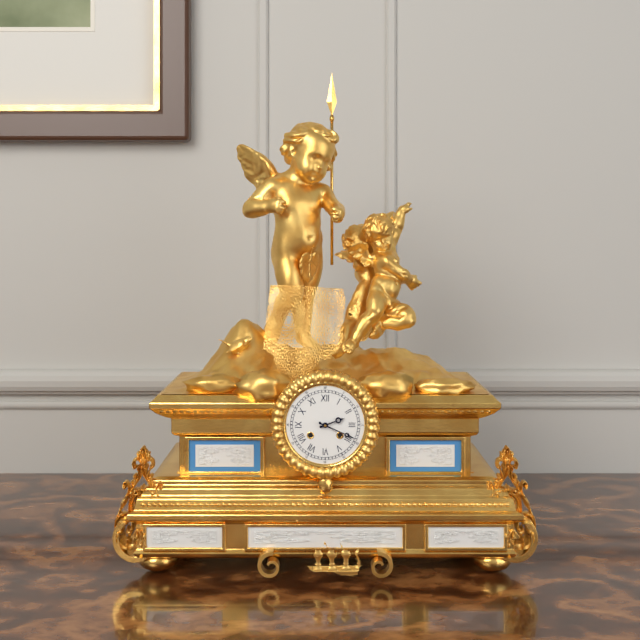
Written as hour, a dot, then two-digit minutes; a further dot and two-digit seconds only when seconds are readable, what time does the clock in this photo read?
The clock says 2.19
